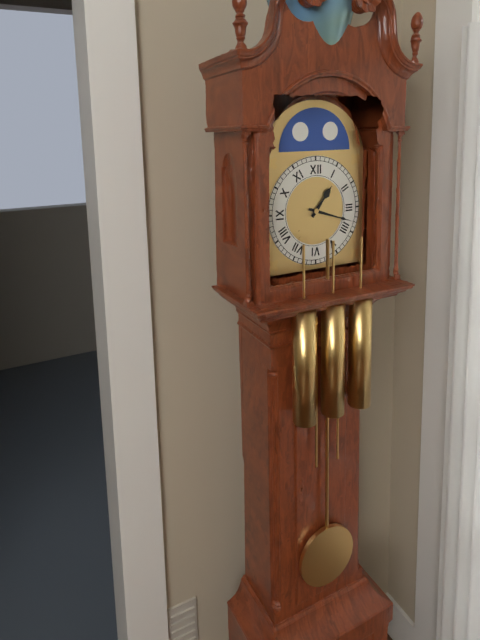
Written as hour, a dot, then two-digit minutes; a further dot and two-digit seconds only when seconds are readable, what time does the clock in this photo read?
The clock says 1.18
